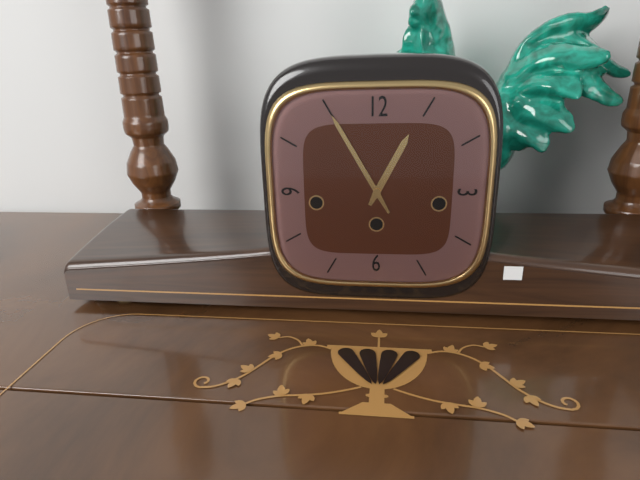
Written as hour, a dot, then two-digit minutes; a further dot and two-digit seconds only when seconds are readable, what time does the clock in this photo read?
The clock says 12.55
